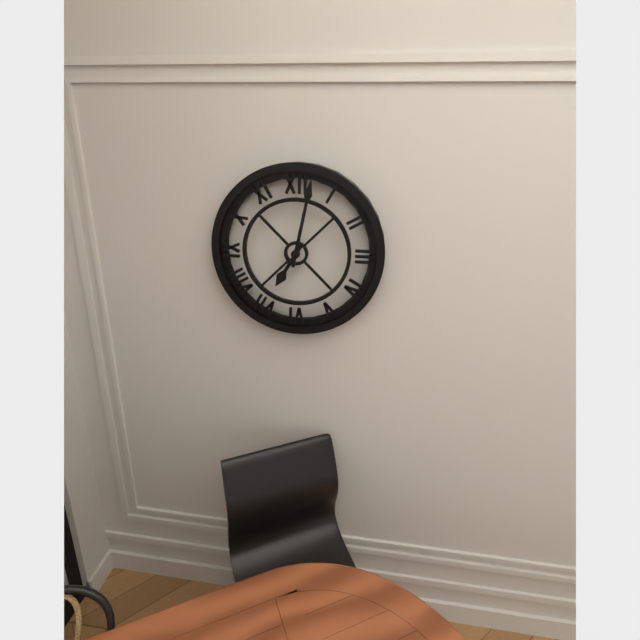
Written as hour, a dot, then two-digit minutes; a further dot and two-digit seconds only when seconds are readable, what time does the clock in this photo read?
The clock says 7.02
